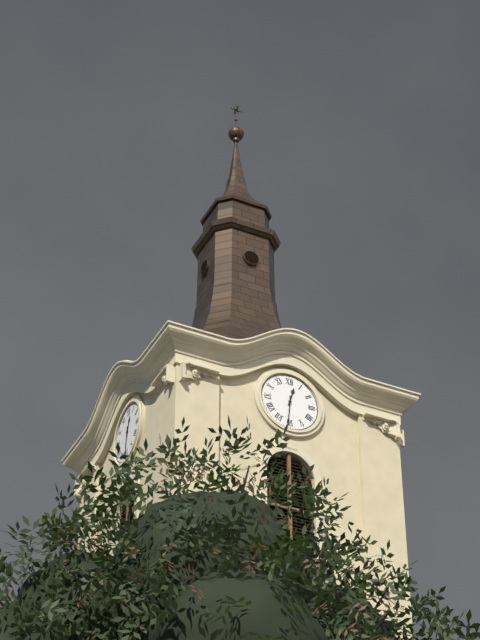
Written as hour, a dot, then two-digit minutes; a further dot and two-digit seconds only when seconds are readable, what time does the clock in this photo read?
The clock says 12.31
